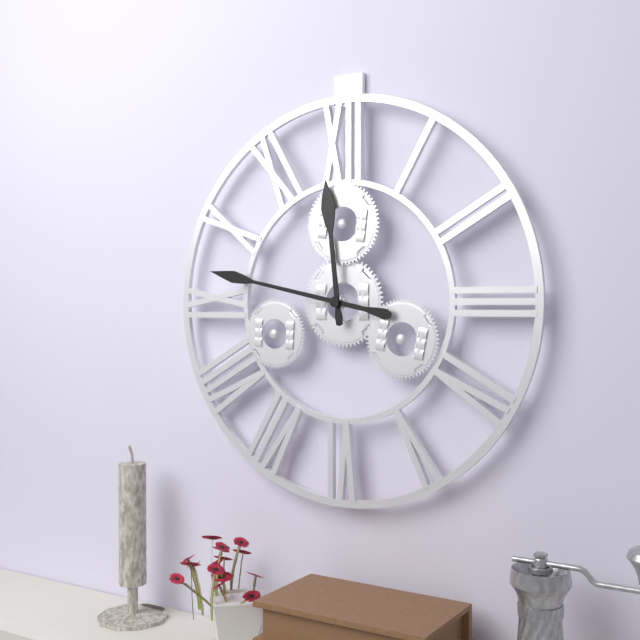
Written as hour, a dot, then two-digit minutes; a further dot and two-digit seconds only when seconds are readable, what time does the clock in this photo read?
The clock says 11.47
